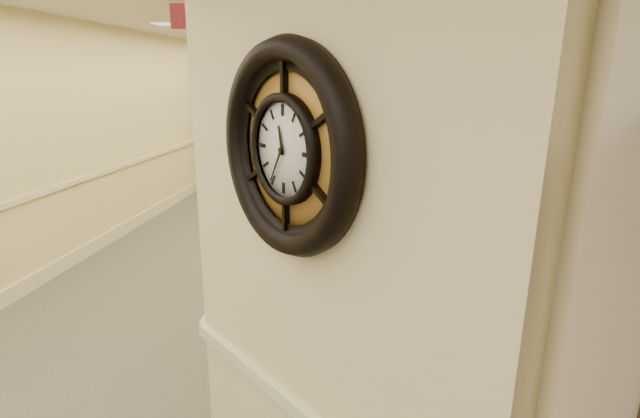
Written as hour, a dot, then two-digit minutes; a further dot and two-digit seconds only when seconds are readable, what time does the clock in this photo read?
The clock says 11.35
